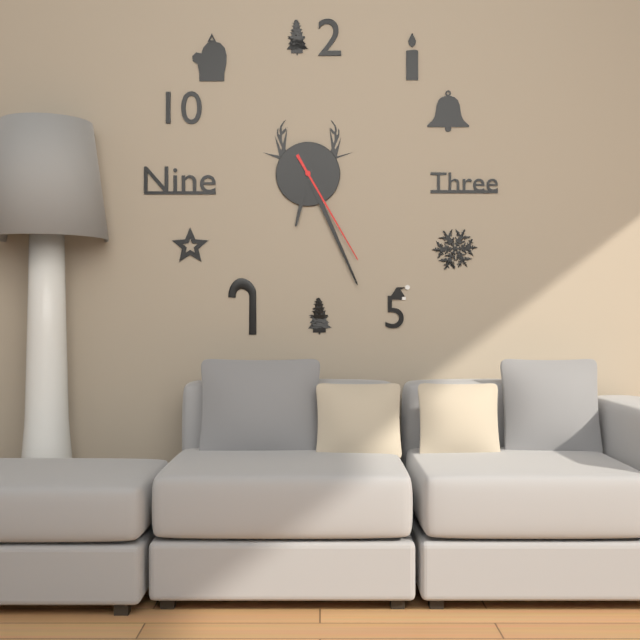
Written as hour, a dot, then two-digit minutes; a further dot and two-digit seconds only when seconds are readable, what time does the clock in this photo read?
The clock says 6.26.25
